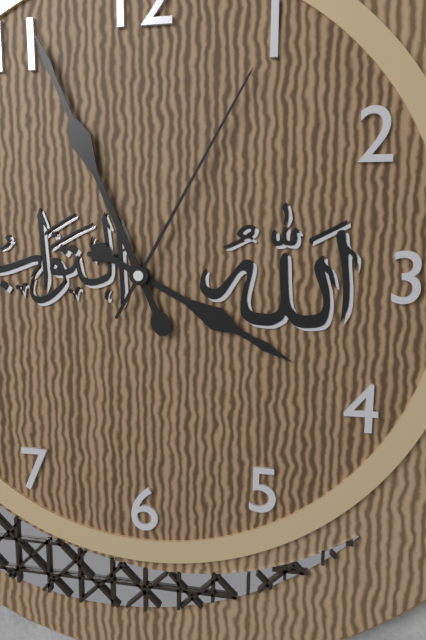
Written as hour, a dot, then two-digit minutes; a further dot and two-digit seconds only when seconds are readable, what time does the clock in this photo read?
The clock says 3.56.05
